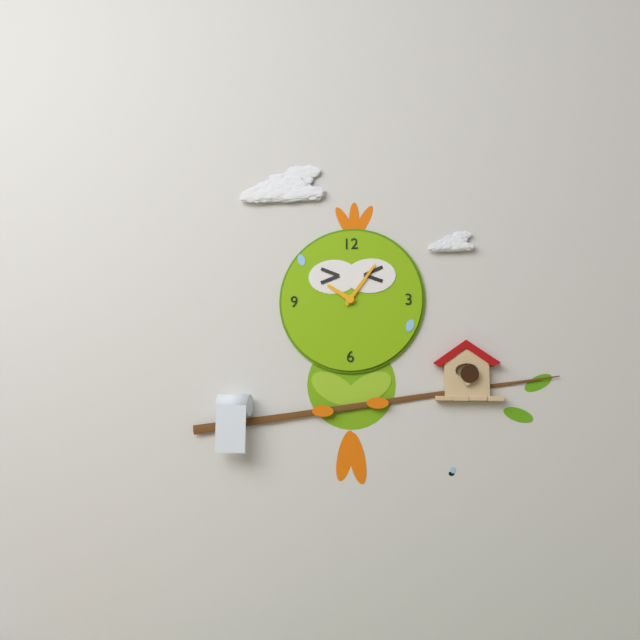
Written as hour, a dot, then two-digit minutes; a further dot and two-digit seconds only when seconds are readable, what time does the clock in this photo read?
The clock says 10.06
